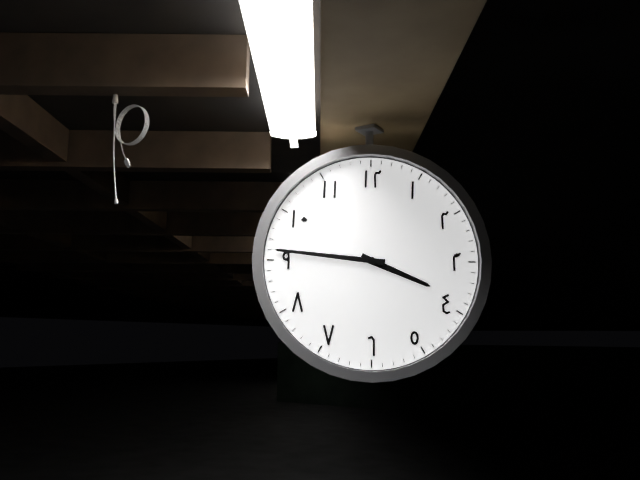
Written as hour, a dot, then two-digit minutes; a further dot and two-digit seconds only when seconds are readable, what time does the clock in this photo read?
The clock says 3.46
